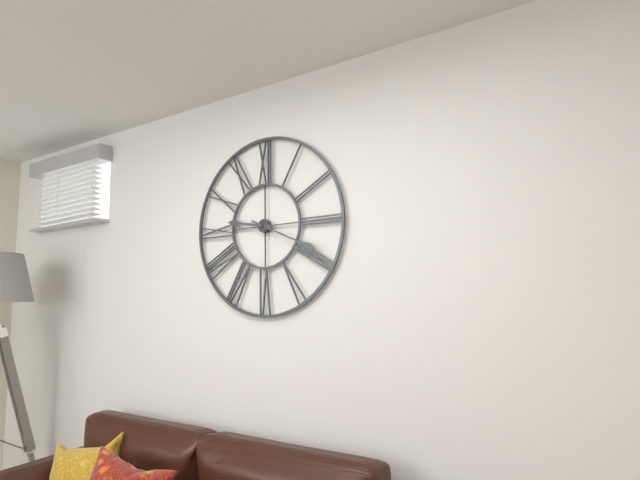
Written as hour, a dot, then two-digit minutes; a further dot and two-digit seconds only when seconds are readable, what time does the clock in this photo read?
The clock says 9.19
